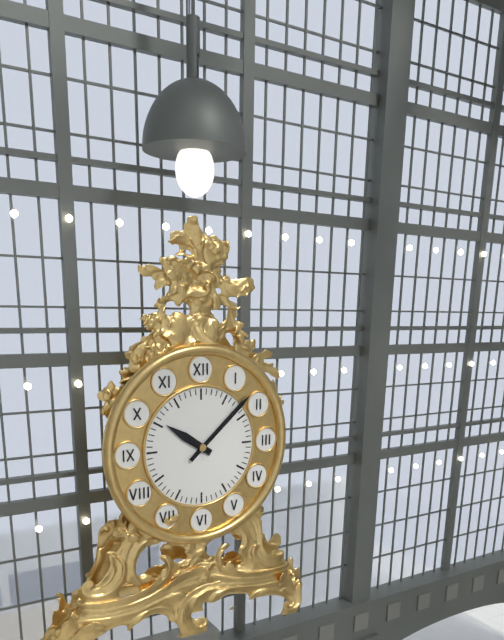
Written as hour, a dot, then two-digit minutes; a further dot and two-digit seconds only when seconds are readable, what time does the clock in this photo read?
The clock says 10.08
